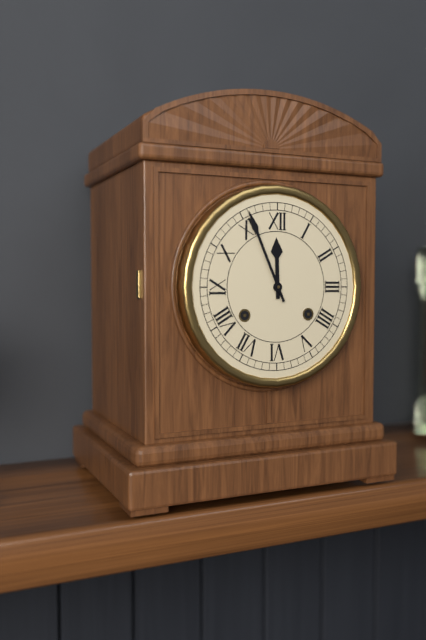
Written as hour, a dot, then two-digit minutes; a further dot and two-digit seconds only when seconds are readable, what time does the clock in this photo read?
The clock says 11.56
